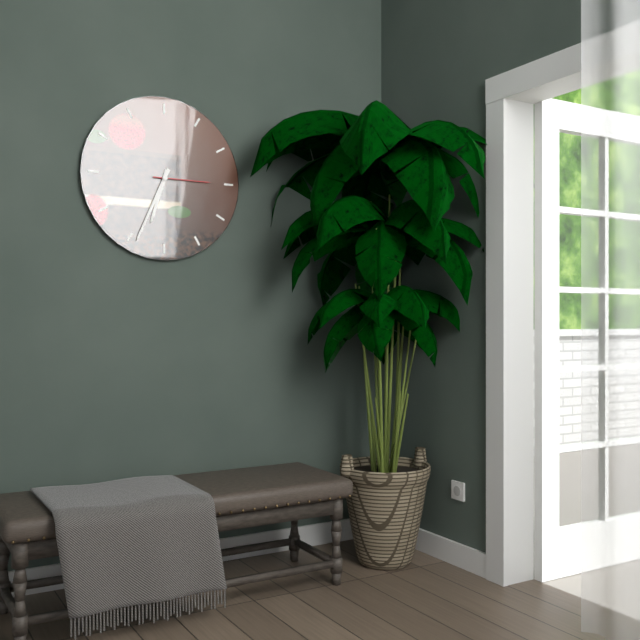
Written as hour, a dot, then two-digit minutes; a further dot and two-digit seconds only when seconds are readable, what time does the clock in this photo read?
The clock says 6.34.15
